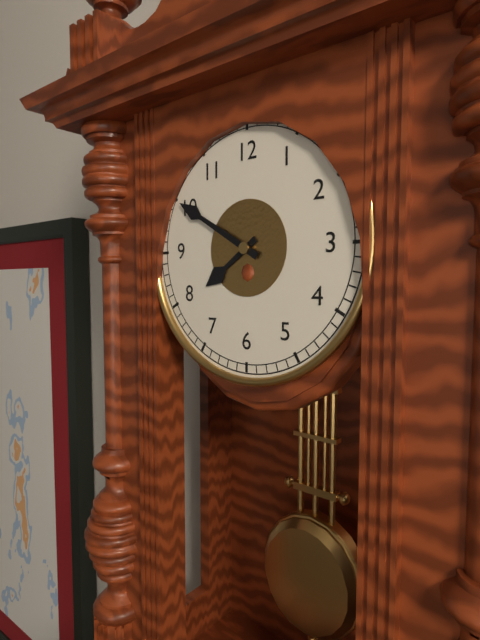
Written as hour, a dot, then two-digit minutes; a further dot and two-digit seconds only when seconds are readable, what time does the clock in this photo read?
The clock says 7.50
